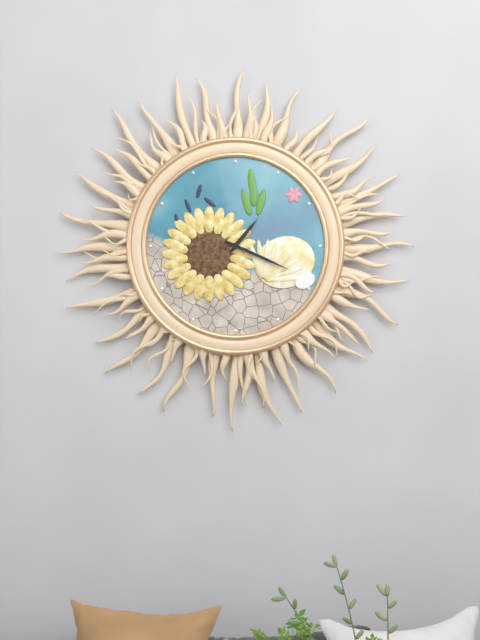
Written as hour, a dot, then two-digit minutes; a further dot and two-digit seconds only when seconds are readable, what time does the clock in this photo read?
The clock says 1.19
